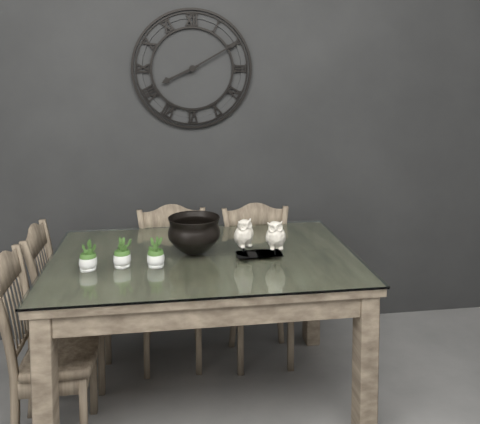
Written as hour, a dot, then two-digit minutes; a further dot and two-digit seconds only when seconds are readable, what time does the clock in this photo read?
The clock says 8.10
